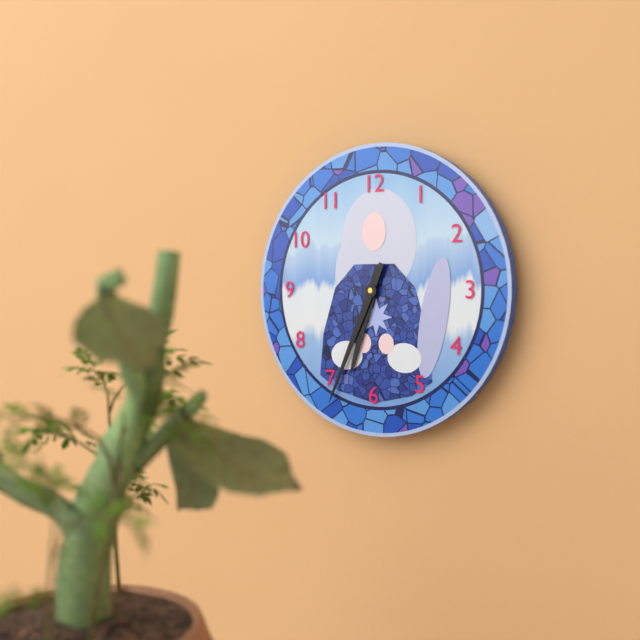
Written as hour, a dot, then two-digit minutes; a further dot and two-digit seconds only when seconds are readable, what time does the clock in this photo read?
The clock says 6.34
